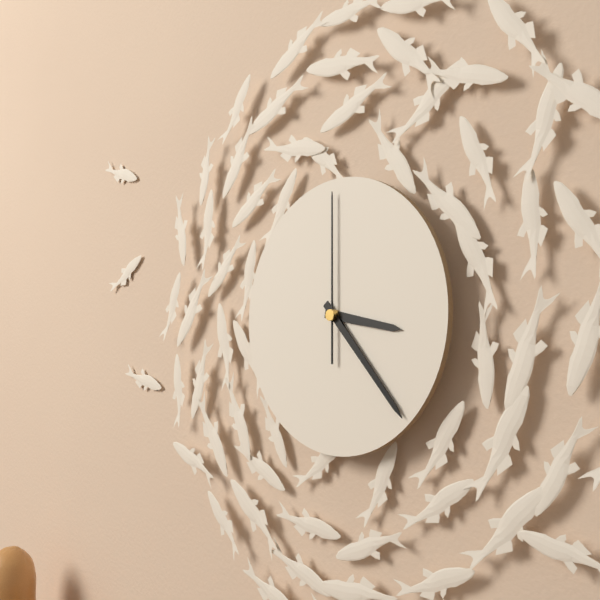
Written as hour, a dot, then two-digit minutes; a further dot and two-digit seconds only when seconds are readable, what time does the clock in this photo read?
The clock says 3.23.00
